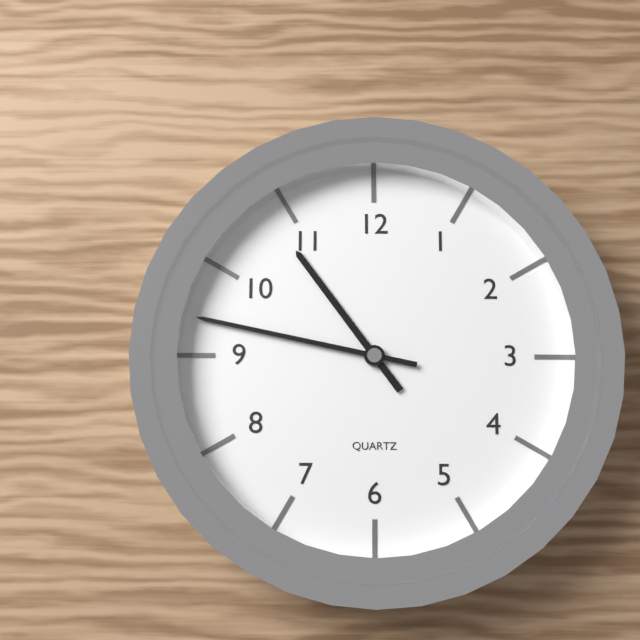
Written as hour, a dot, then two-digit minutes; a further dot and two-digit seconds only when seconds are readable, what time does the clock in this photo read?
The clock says 10.47
